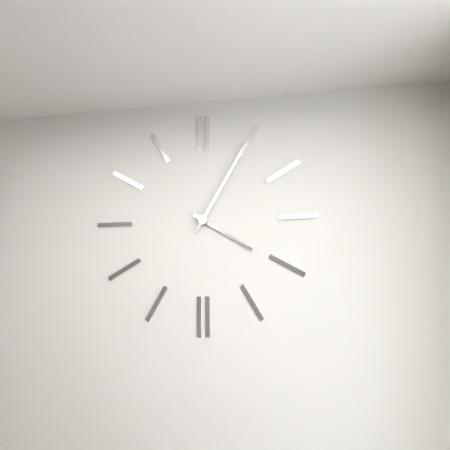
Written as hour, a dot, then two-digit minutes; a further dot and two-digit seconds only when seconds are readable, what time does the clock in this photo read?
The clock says 4.05
